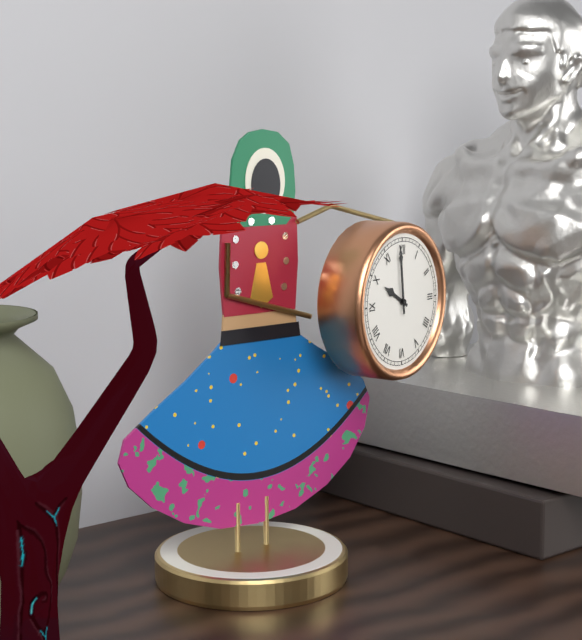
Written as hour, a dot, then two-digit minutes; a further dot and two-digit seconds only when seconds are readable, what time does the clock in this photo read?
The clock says 9.59
